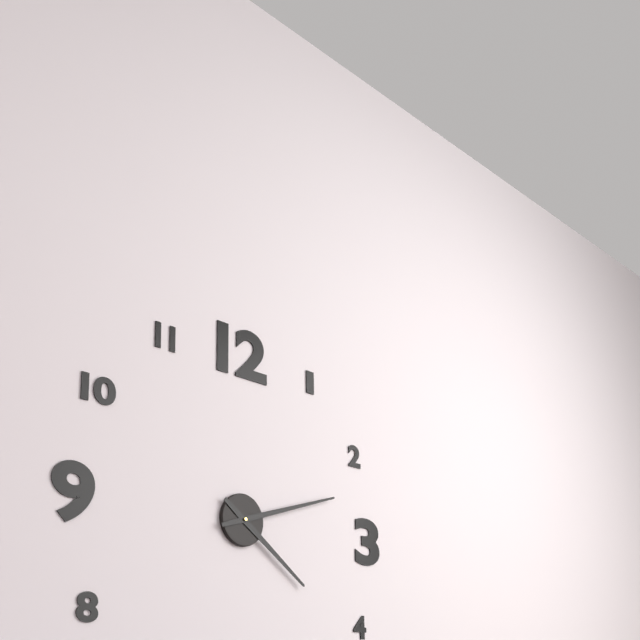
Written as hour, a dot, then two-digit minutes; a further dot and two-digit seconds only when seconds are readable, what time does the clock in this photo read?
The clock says 4.12
